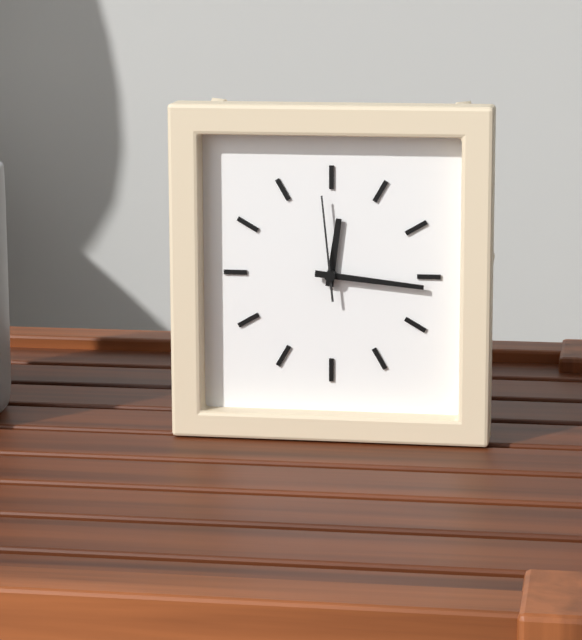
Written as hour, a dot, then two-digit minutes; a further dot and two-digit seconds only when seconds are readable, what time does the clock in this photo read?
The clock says 12.16.59
